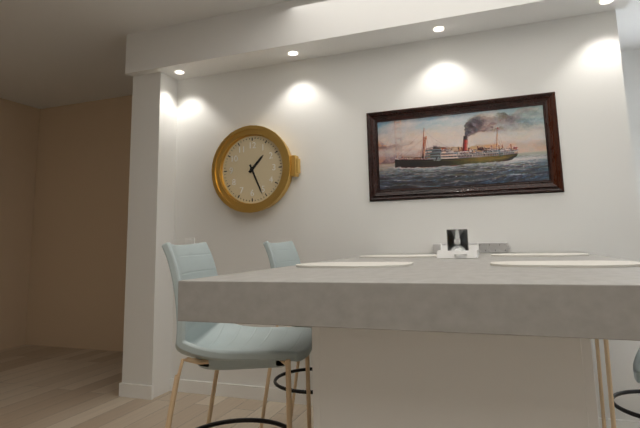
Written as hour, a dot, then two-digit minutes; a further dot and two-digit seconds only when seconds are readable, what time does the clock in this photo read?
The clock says 1.26
